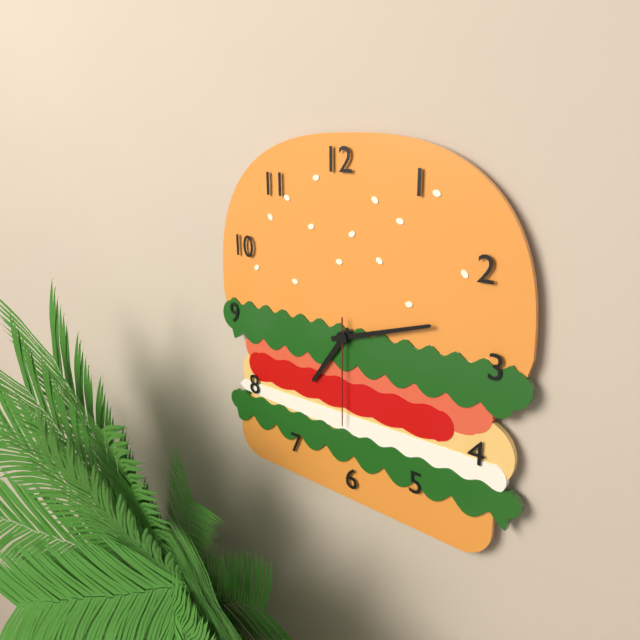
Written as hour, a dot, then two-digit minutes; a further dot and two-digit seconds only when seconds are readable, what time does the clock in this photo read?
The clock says 7.12.30
